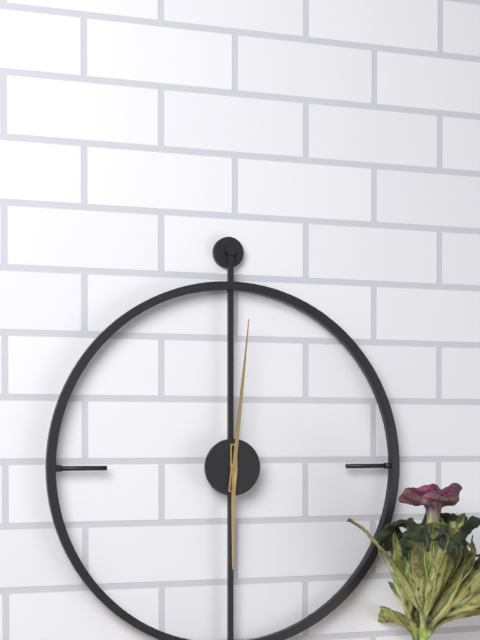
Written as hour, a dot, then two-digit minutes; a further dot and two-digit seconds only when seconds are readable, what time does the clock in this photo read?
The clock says 6.01
